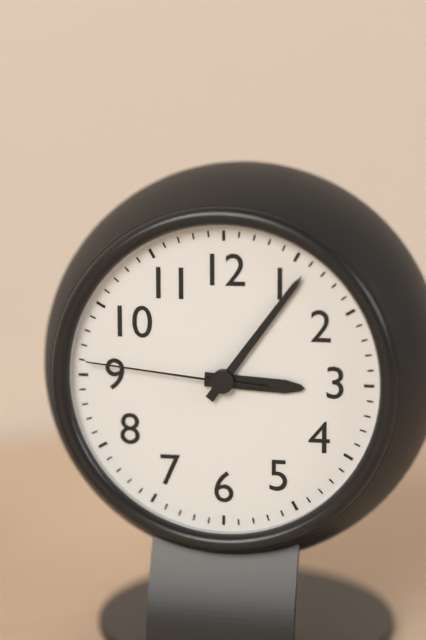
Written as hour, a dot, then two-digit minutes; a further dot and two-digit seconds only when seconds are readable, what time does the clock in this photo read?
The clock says 3.06.46
